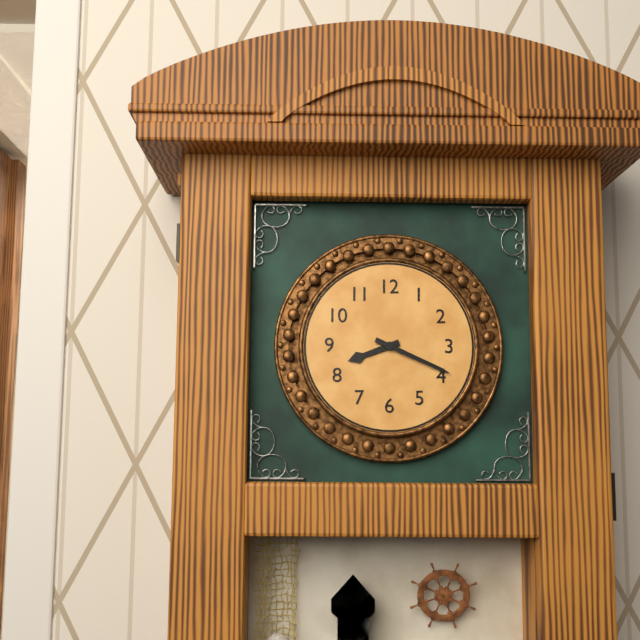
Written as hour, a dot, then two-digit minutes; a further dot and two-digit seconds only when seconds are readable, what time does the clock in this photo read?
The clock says 8.19
